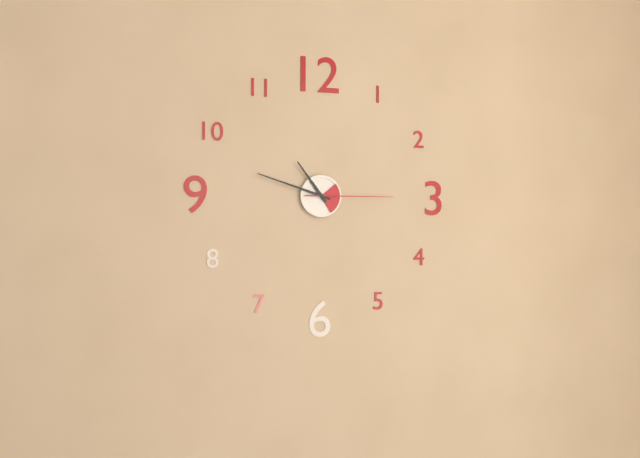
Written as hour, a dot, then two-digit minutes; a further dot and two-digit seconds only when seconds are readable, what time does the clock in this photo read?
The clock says 10.48.15
